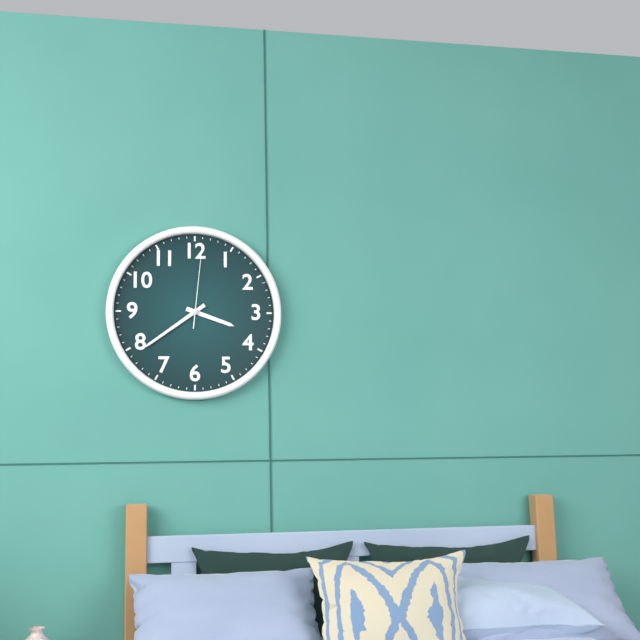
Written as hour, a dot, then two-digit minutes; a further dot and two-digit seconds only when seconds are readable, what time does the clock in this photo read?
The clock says 3.39.01
